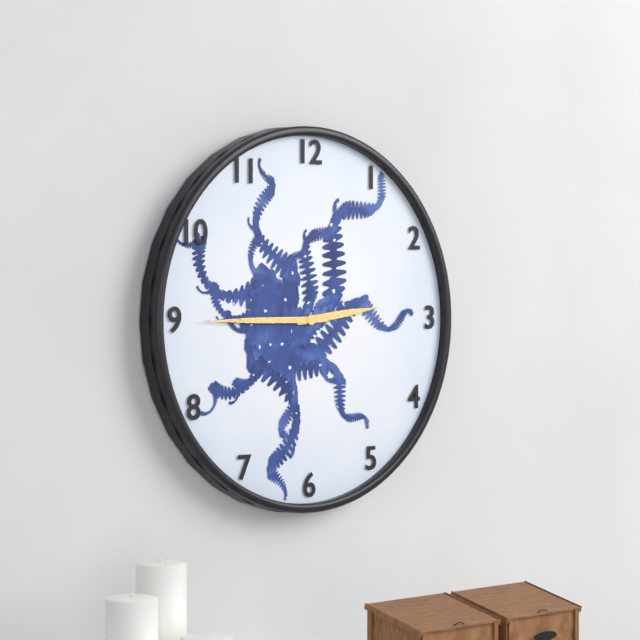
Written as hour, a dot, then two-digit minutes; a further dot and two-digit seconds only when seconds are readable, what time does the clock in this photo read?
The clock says 2.45
